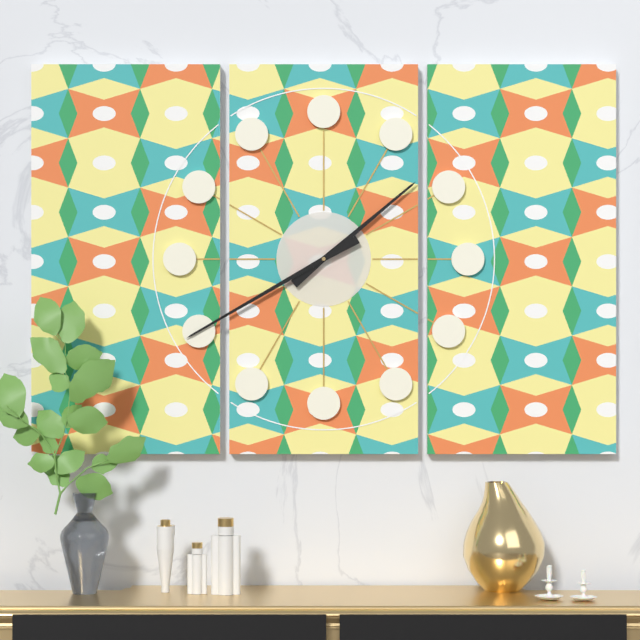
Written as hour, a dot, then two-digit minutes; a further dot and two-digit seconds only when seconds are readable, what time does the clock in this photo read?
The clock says 1.40
